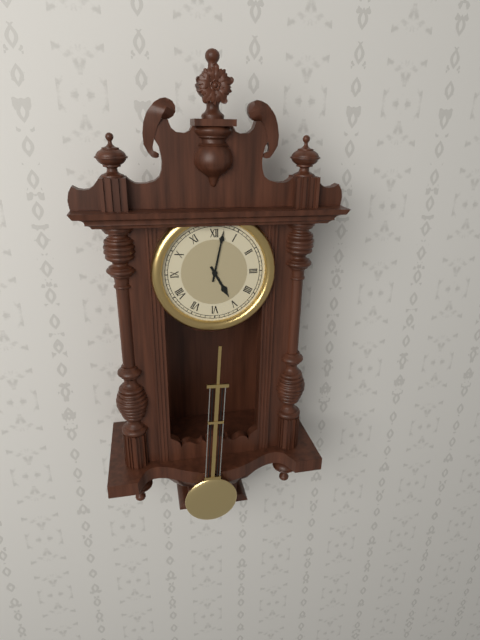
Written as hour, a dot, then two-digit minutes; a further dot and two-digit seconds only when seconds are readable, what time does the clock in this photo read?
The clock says 5.02
